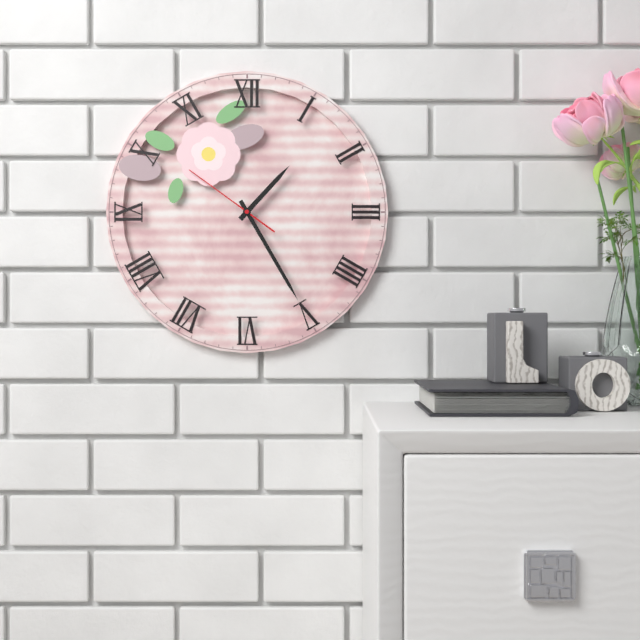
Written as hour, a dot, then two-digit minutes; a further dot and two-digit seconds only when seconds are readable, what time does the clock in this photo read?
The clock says 1.25.51
